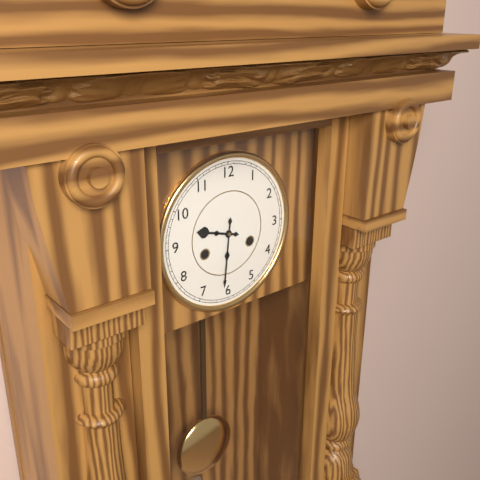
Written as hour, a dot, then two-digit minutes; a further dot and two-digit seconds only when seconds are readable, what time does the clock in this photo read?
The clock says 9.31
